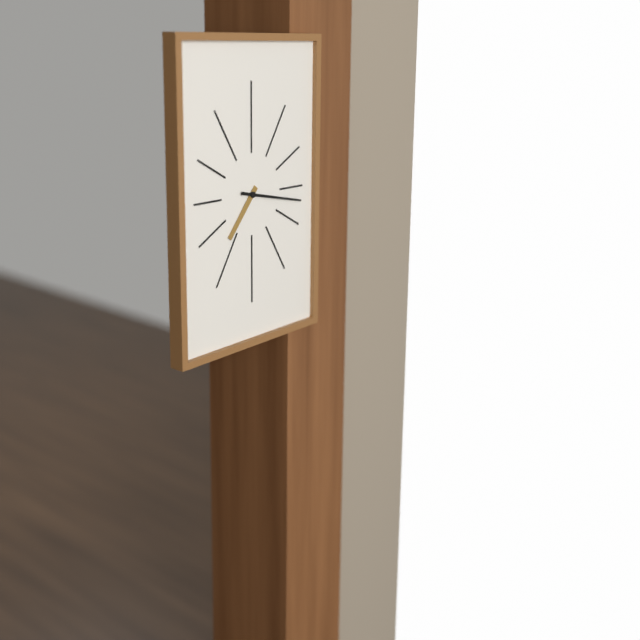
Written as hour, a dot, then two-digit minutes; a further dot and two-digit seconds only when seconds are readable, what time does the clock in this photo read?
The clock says 7.17
